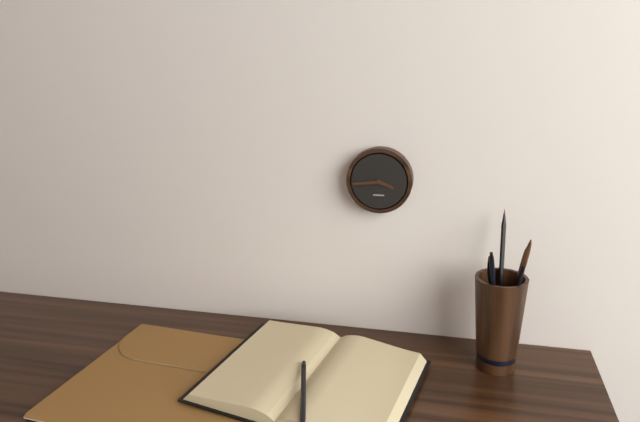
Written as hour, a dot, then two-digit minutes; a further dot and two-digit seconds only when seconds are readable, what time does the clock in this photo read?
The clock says 3.44
